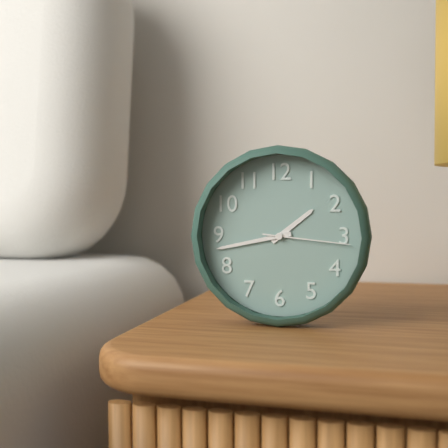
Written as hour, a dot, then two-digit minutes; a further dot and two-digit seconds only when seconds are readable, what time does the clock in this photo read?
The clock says 1.43.16
